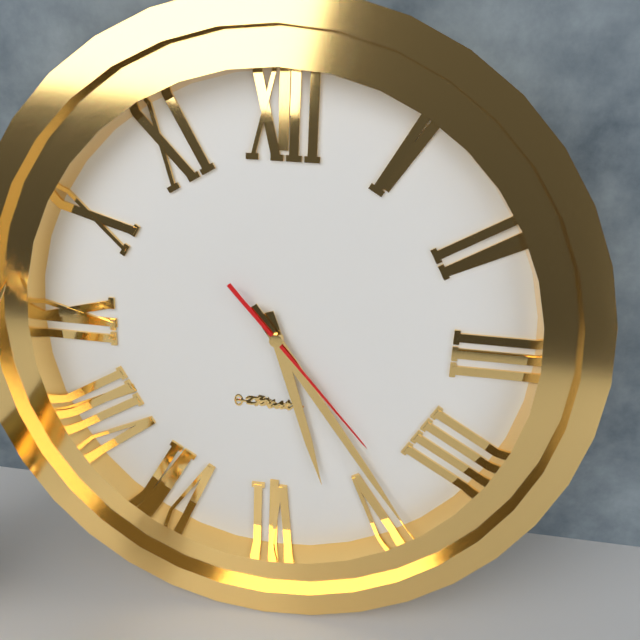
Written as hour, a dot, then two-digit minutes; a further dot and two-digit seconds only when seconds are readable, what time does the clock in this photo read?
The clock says 5.24.23
